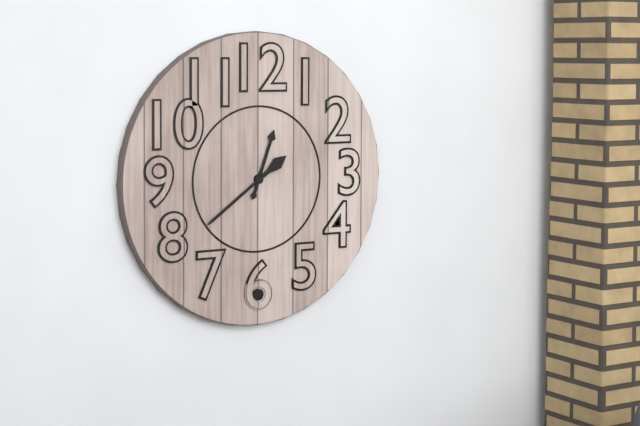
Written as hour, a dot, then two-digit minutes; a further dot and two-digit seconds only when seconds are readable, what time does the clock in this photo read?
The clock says 12.39
